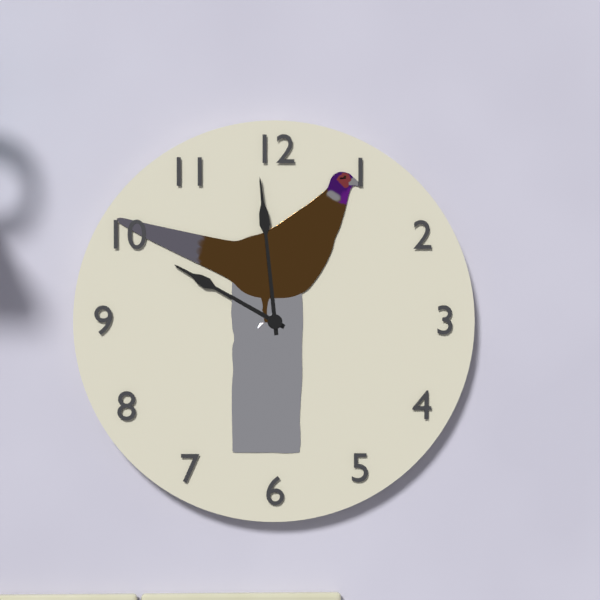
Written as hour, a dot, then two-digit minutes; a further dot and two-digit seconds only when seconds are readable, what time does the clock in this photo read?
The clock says 9.59
